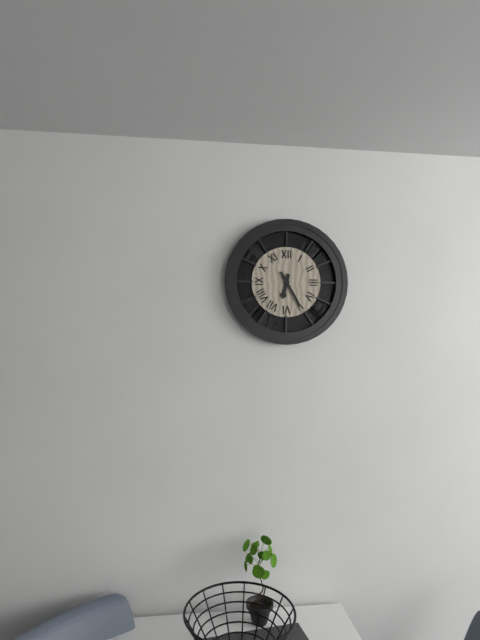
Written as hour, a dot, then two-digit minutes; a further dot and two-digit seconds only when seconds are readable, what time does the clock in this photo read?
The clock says 6.25
